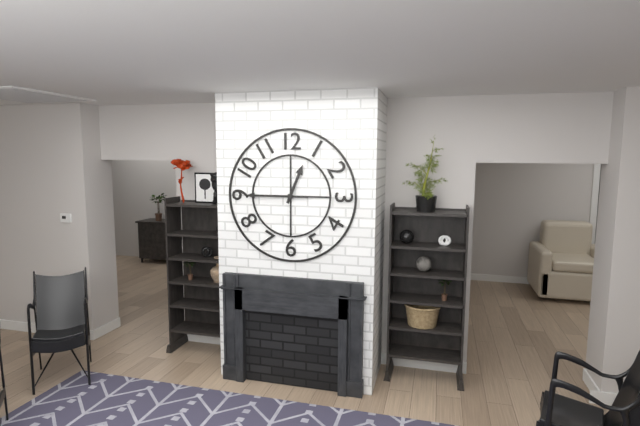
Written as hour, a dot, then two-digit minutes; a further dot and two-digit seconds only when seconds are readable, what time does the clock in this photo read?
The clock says 12.45
